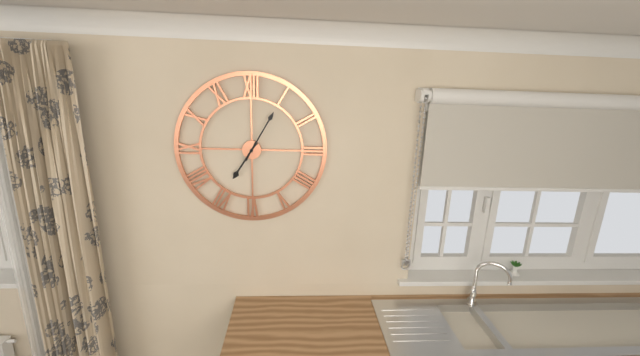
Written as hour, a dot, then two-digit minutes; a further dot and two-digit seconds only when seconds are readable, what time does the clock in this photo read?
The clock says 7.05
